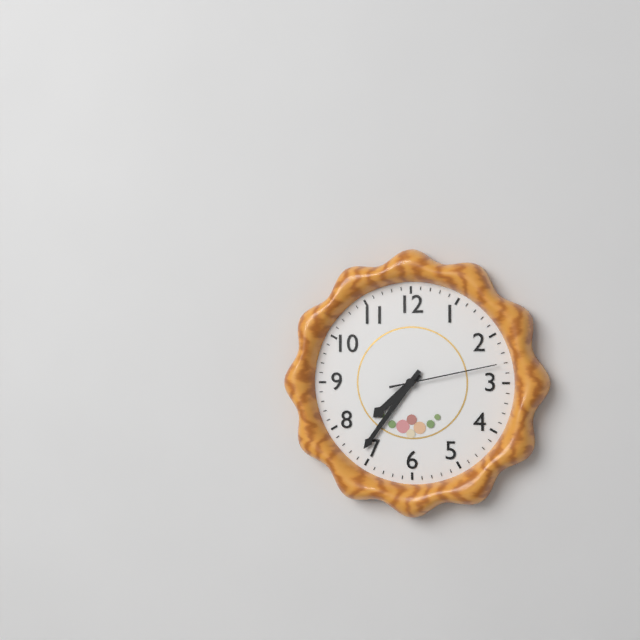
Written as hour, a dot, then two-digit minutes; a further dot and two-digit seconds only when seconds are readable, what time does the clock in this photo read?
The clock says 7.36.13
